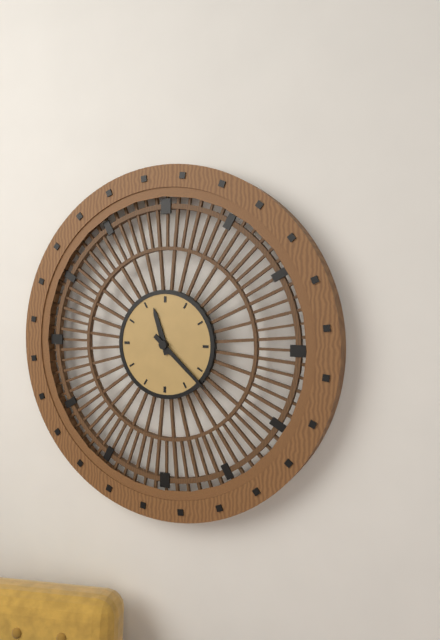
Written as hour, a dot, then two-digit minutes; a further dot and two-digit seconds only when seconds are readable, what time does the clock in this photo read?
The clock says 11.22
